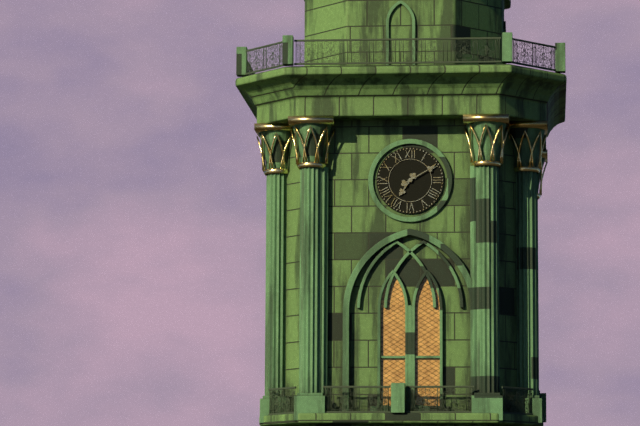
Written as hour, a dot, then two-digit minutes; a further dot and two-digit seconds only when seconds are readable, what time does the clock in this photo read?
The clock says 7.10
